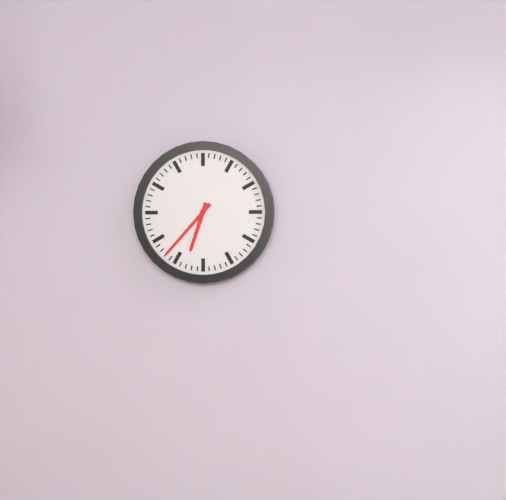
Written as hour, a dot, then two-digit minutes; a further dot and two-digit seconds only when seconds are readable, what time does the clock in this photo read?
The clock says 6.37
